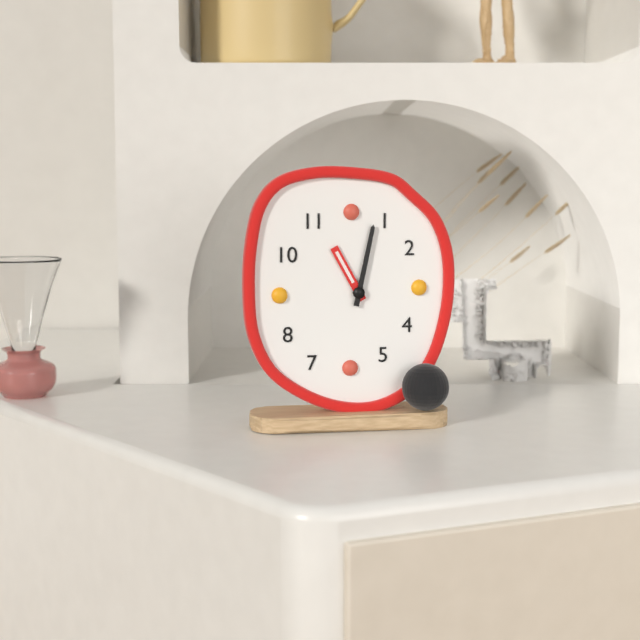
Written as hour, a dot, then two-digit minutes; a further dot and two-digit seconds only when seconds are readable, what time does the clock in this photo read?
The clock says 11.02
